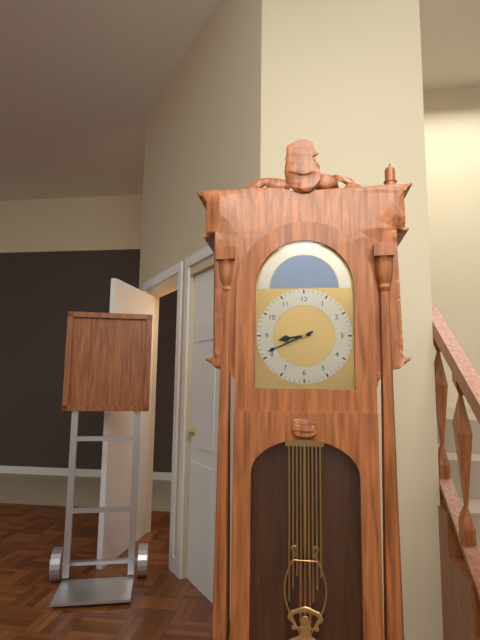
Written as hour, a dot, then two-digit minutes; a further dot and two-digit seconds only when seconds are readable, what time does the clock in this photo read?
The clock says 8.41
